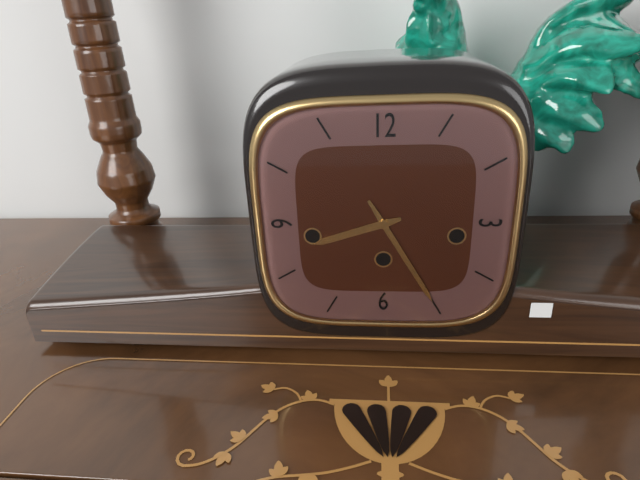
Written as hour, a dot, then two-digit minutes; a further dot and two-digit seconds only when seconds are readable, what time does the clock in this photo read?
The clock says 8.25
